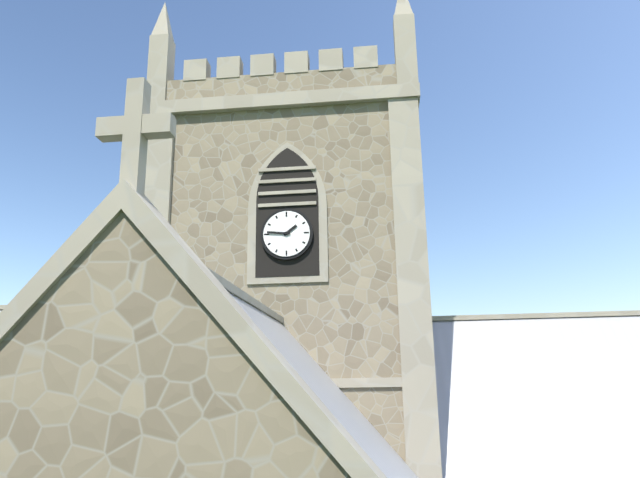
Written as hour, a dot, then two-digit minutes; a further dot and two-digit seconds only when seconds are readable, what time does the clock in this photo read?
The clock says 1.46
